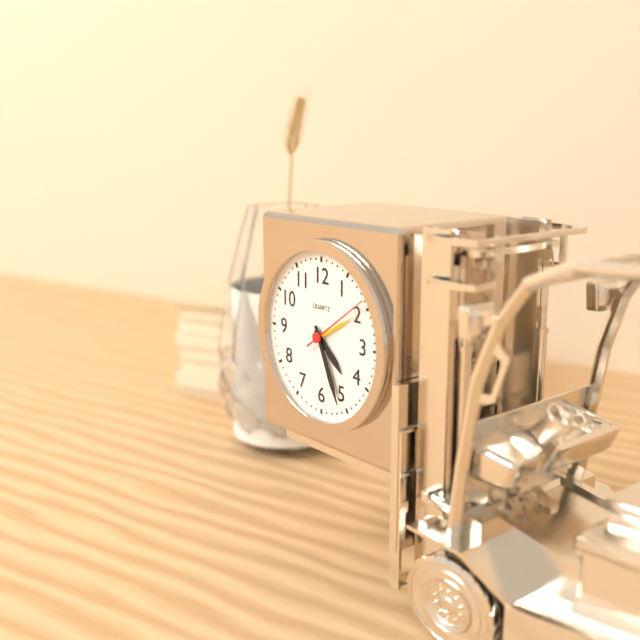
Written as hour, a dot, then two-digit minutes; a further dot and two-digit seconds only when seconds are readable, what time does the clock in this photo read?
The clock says 4.26.09
